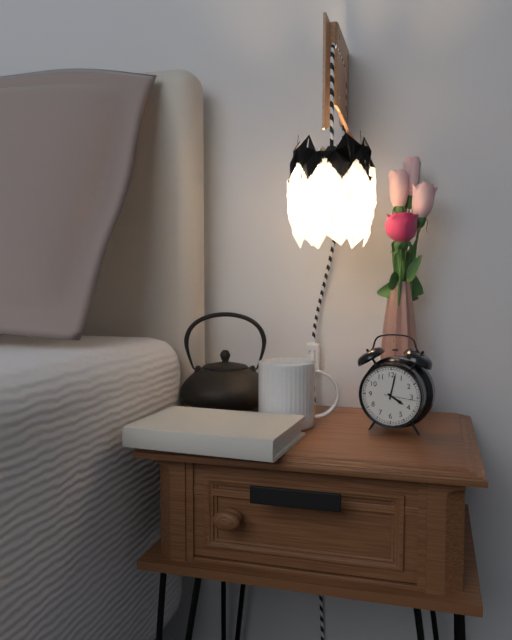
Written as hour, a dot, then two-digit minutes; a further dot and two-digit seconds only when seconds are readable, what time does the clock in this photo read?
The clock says 4.02
